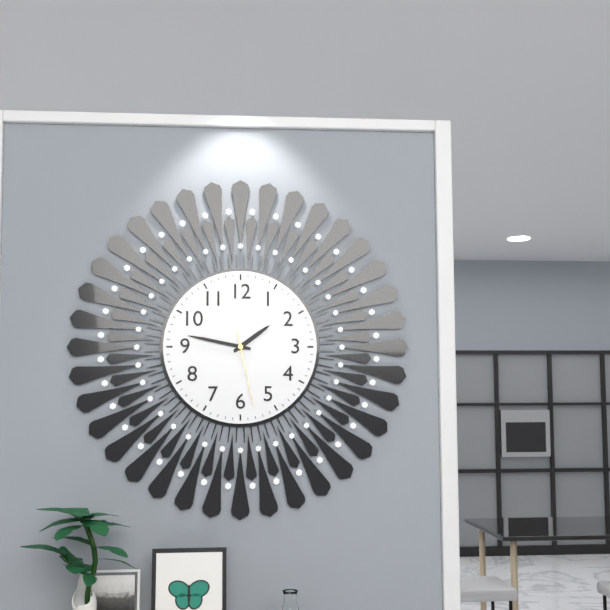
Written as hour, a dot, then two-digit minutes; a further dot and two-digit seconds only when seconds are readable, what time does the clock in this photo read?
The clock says 1.47.28
